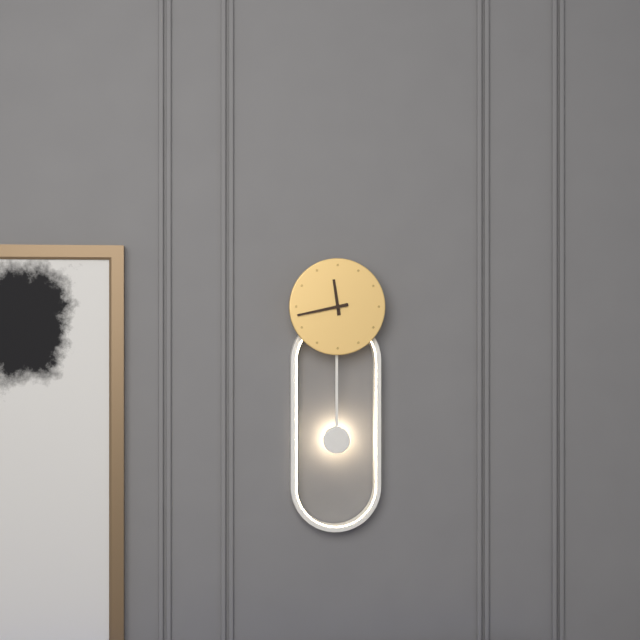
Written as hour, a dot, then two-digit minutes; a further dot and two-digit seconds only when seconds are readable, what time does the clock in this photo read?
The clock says 11.43
